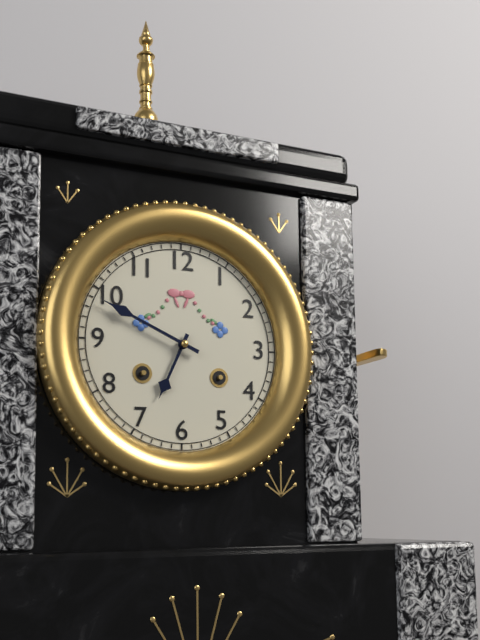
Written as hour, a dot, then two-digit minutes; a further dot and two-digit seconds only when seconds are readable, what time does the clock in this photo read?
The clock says 6.49
